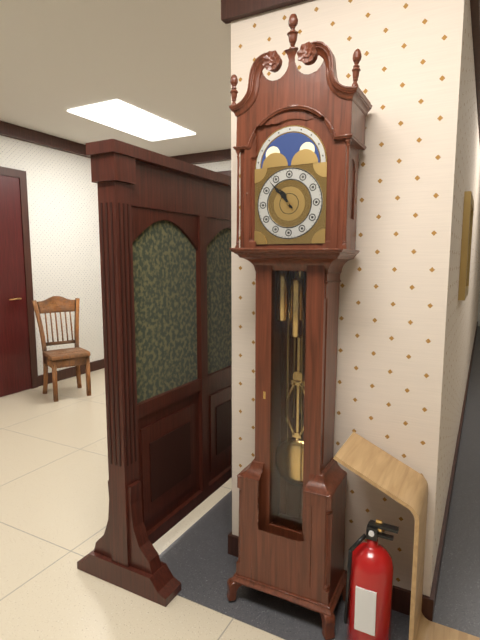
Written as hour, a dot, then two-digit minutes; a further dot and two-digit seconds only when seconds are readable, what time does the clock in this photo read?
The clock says 10.53
